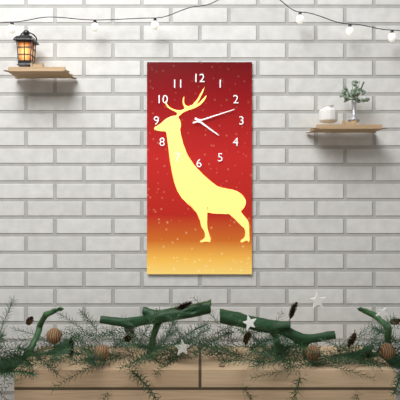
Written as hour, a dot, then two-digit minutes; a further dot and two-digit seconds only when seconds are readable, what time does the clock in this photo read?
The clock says 4.12
